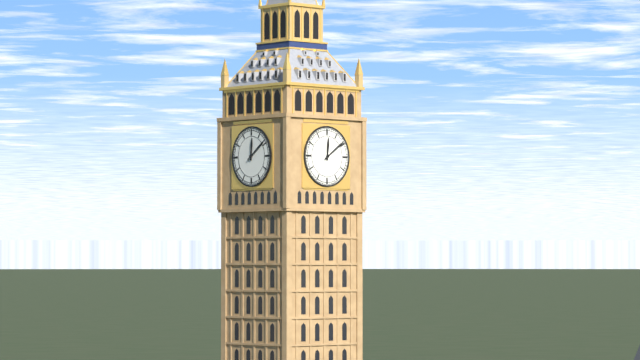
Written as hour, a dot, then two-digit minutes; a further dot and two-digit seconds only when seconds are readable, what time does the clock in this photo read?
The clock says 12.09
